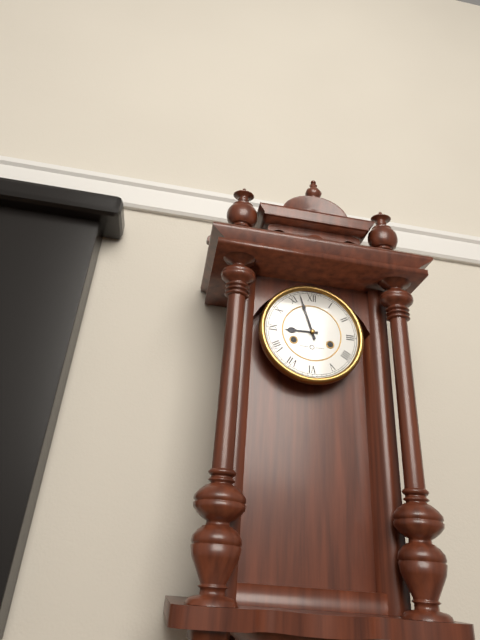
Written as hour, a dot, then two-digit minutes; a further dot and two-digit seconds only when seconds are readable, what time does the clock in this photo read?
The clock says 8.57
